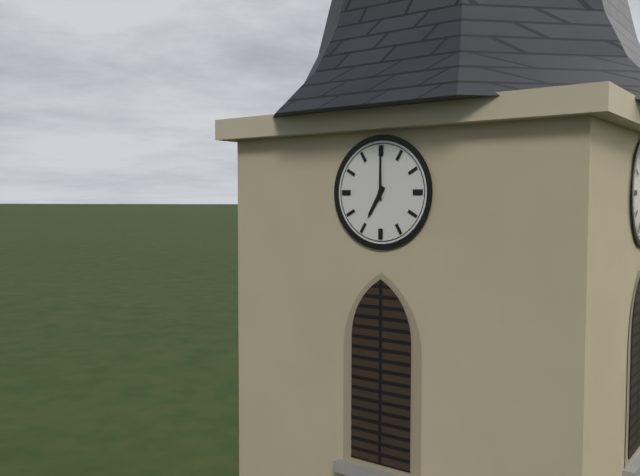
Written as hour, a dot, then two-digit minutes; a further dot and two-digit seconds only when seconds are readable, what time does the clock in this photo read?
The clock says 7.00
